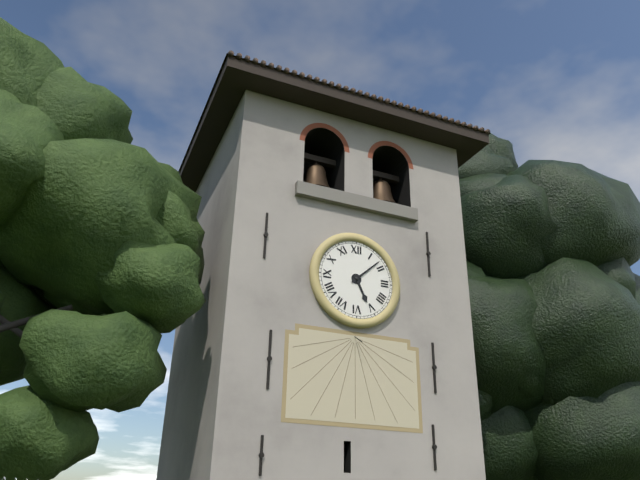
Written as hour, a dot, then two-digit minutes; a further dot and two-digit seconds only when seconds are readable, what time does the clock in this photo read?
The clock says 5.08
